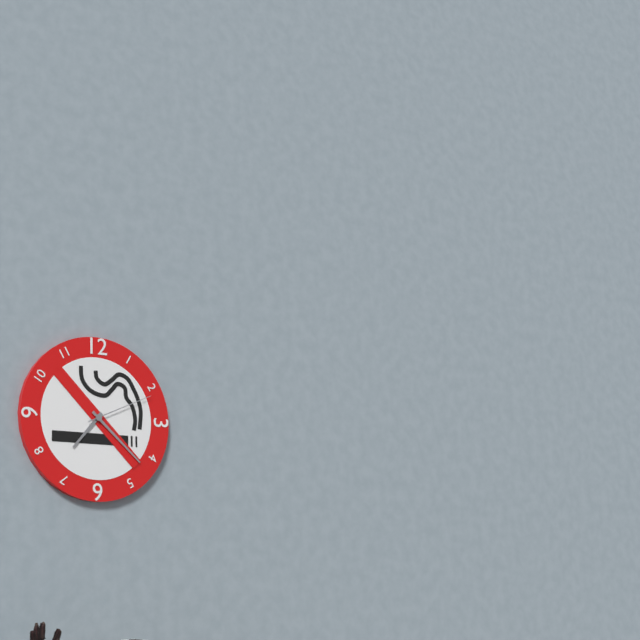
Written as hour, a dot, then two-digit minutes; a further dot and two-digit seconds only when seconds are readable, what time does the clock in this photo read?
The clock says 7.22.11
